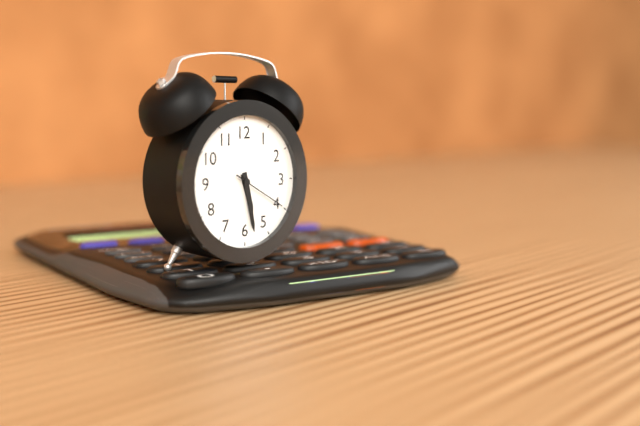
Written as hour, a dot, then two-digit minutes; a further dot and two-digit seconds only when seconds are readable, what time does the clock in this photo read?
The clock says 5.28.20
